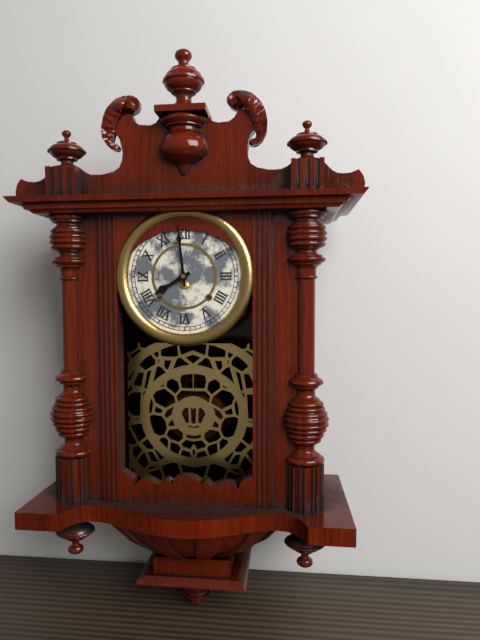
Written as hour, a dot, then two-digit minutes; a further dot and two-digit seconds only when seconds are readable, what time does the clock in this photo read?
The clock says 7.59
